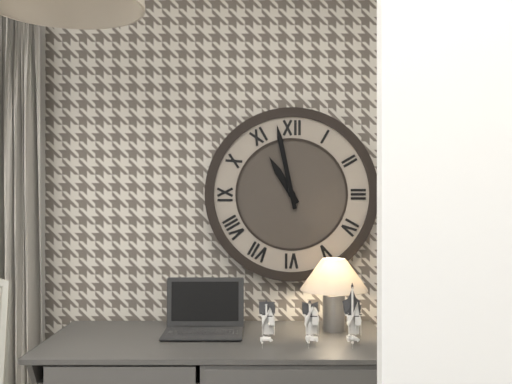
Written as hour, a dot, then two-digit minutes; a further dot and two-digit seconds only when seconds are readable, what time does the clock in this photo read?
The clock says 10.58
